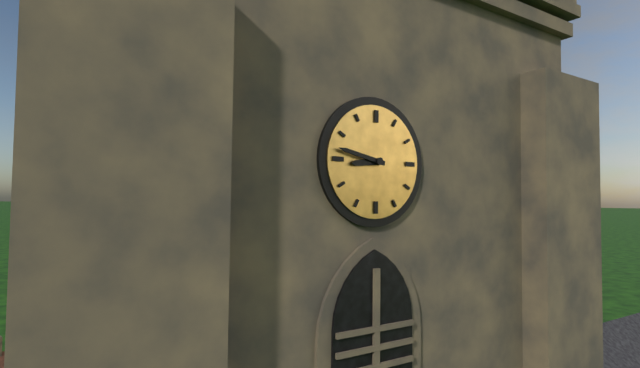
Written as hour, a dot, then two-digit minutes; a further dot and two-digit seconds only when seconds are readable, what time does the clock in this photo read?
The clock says 8.47
